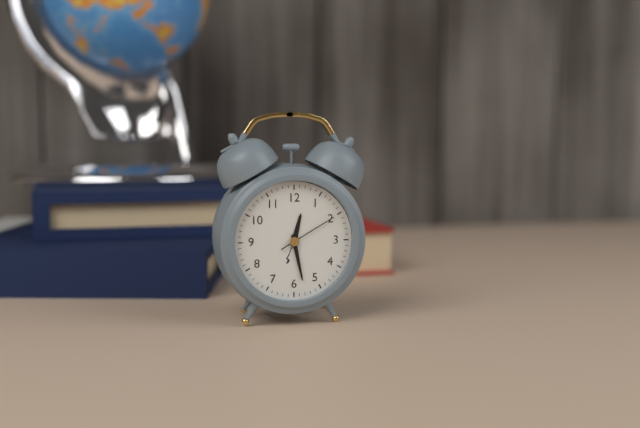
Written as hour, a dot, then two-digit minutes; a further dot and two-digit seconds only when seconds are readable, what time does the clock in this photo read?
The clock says 12.28.10
